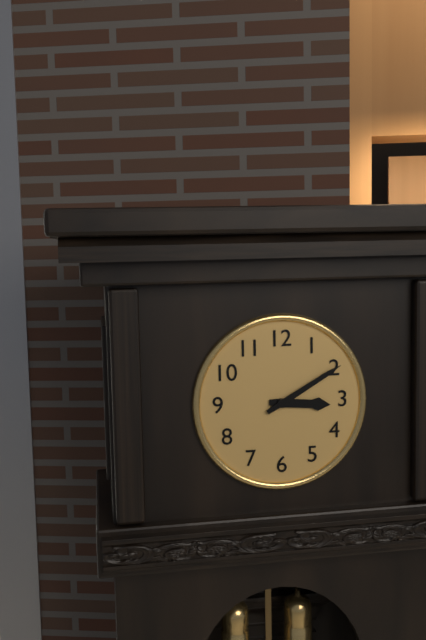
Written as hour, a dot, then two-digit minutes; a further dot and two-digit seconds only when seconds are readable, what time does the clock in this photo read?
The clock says 3.10
